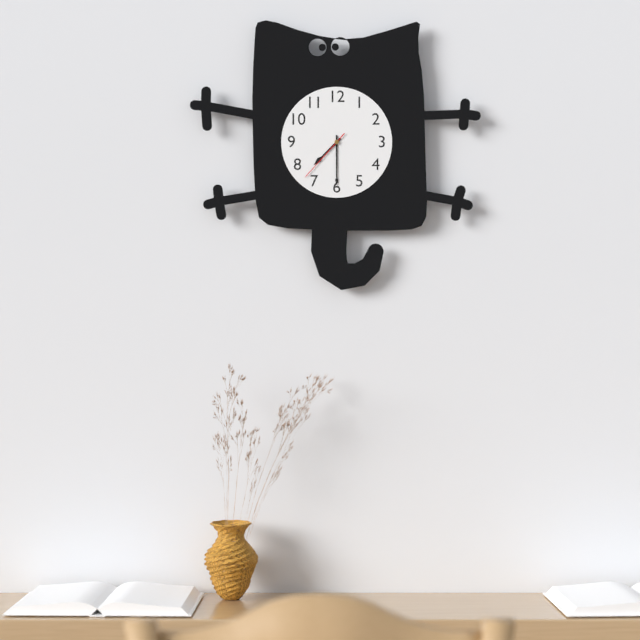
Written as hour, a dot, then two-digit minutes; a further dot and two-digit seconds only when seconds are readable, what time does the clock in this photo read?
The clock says 7.30.37
